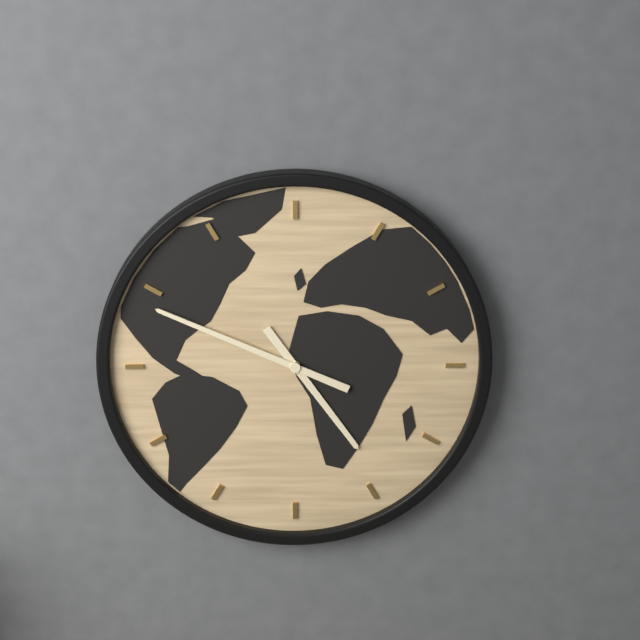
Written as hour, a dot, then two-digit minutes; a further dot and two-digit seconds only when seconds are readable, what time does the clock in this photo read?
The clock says 4.49
